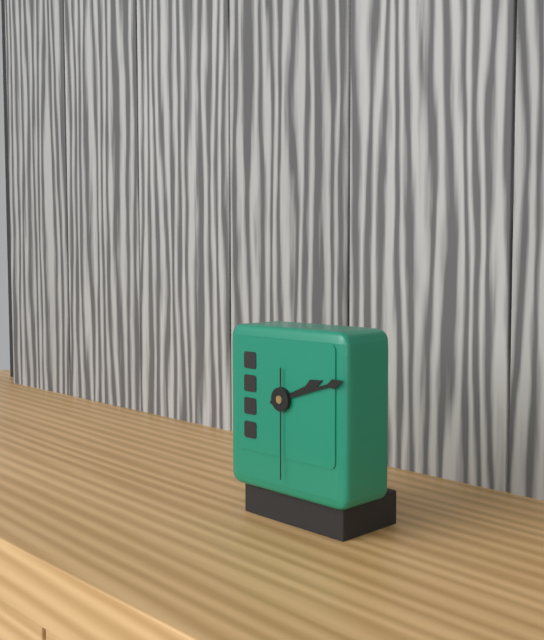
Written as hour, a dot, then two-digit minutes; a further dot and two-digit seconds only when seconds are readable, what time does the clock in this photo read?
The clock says 2.12.30
